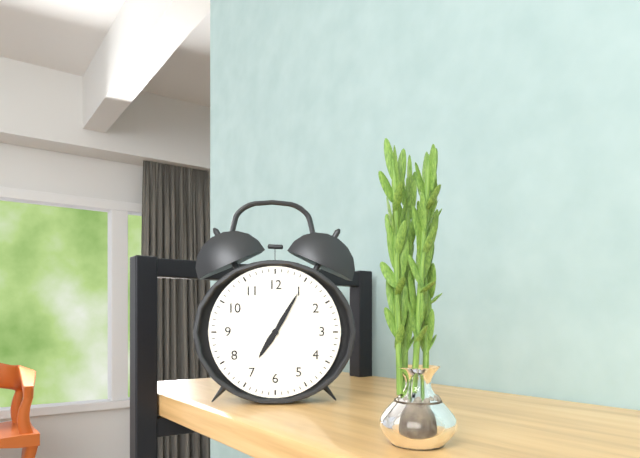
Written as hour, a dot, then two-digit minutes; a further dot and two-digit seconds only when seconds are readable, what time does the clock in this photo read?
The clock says 7.05
